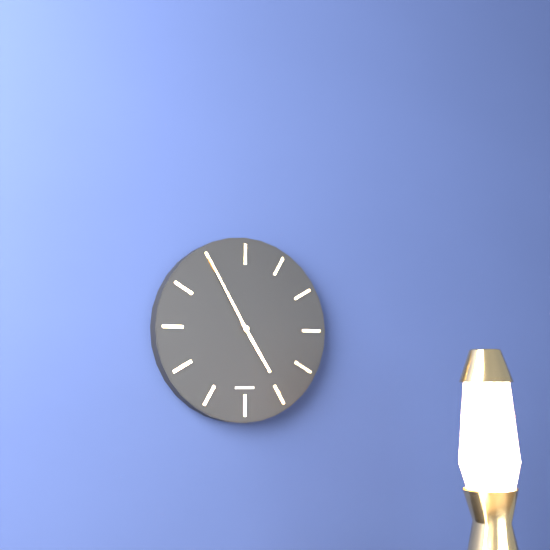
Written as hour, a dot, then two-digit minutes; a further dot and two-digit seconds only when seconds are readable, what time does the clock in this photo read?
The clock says 4.55
